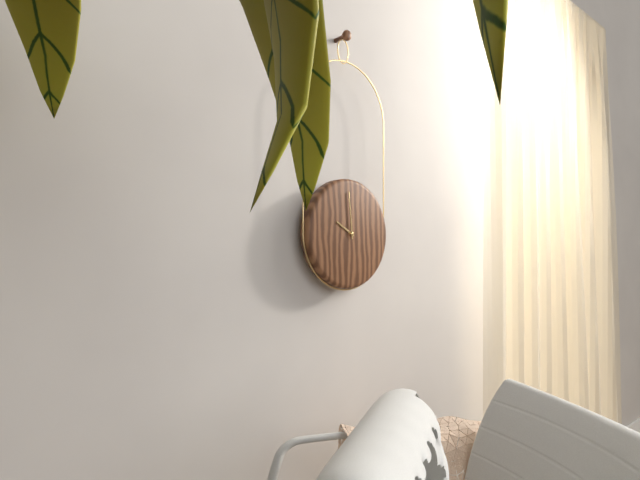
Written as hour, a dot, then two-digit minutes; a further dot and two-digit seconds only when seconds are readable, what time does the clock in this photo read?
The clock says 9.59
